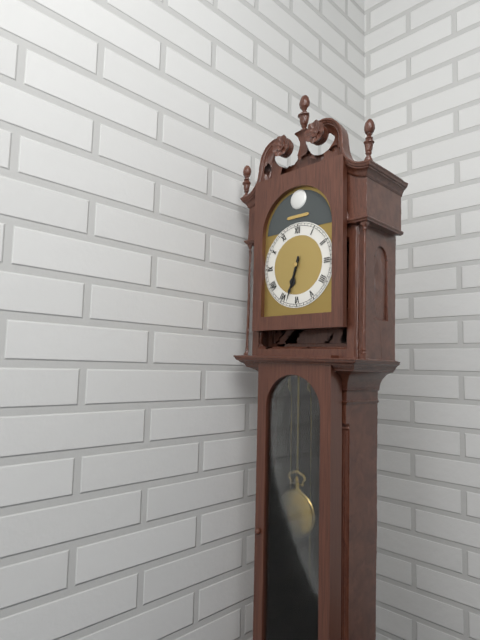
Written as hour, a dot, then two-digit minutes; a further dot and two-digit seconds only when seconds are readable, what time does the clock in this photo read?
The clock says 6.33
